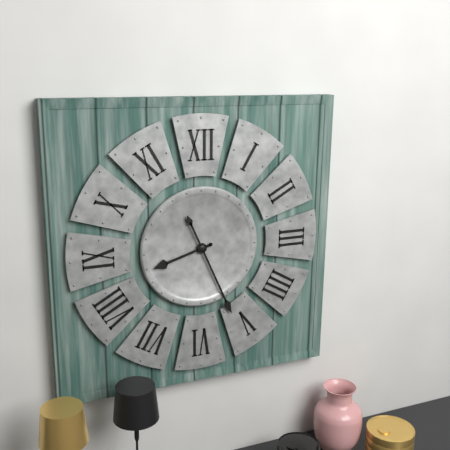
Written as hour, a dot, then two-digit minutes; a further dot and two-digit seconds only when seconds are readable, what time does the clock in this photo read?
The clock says 8.26
